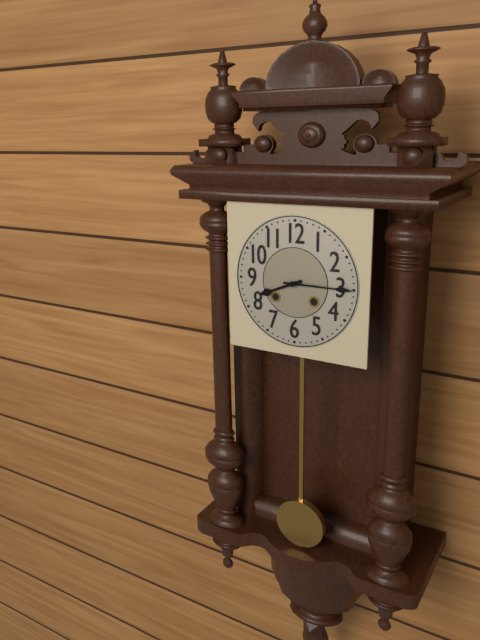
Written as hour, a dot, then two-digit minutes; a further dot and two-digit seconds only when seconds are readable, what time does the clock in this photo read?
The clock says 8.15
